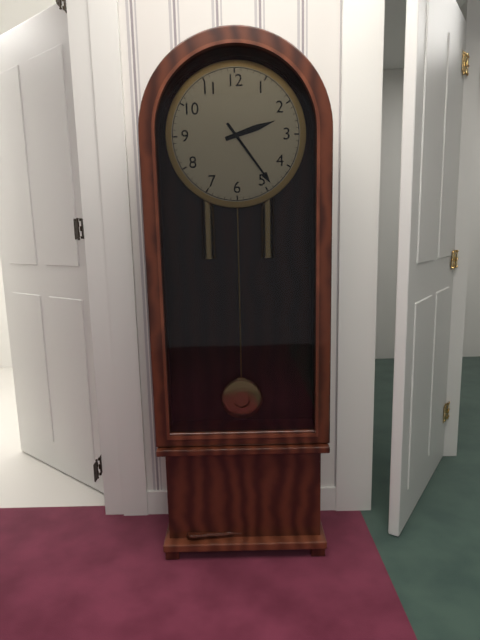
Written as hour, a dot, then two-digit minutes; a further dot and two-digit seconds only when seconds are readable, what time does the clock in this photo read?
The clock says 2.24
